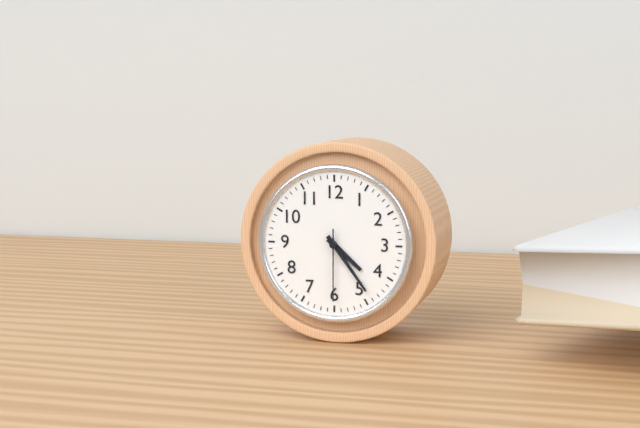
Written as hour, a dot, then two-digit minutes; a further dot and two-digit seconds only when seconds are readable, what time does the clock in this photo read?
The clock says 4.24.30
